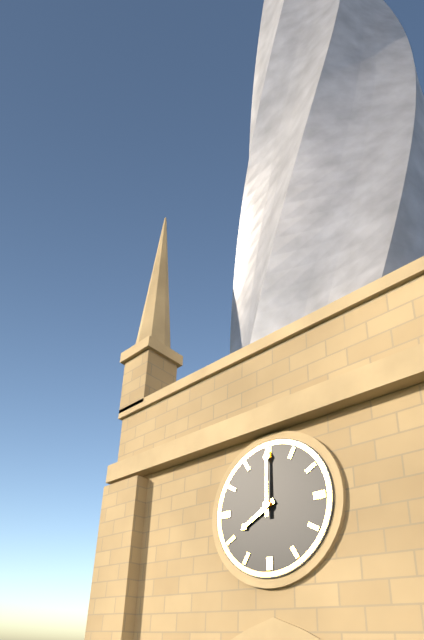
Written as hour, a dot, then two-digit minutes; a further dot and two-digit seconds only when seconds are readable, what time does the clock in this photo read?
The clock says 8.00
